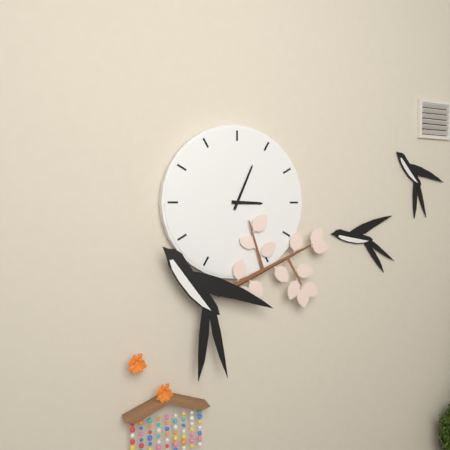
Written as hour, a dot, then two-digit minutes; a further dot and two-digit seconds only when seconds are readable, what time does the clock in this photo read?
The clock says 3.04
